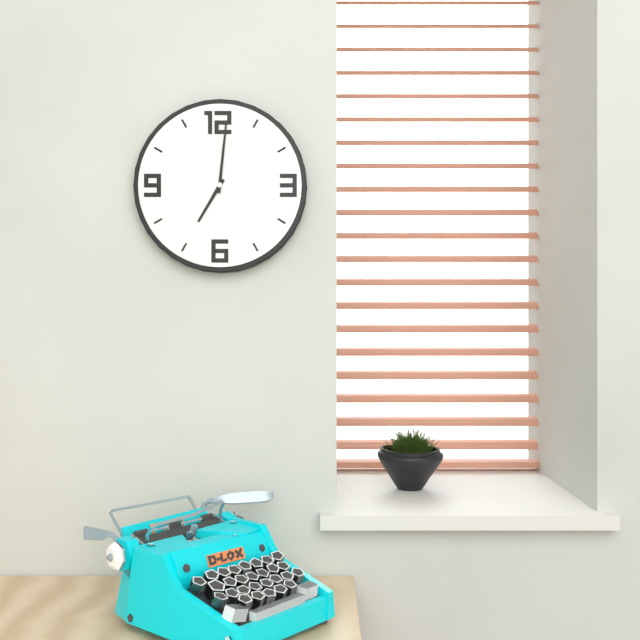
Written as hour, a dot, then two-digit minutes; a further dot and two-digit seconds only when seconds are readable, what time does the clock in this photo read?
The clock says 7.01
